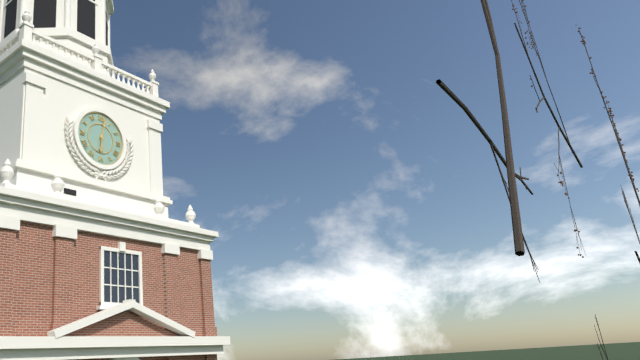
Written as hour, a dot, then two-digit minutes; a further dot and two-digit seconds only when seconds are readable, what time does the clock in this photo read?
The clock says 6.02
